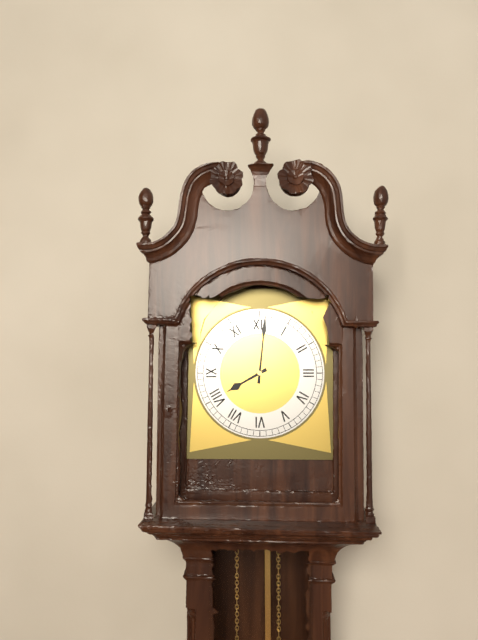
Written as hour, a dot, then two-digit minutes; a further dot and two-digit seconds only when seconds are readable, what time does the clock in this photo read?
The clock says 8.01
